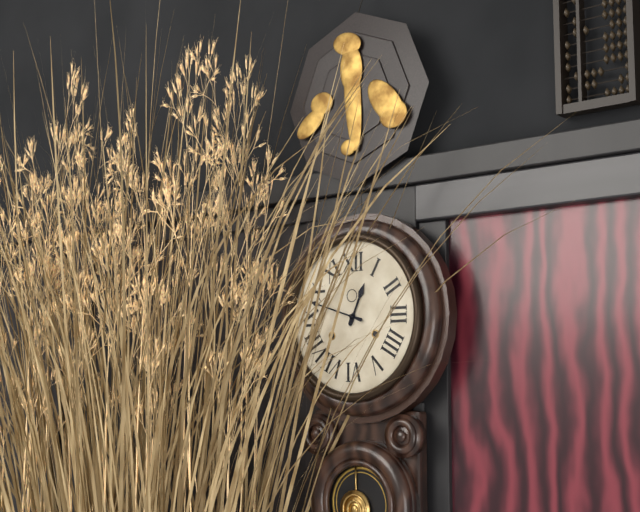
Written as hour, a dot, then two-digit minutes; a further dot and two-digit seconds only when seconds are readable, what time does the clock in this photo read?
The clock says 12.48
